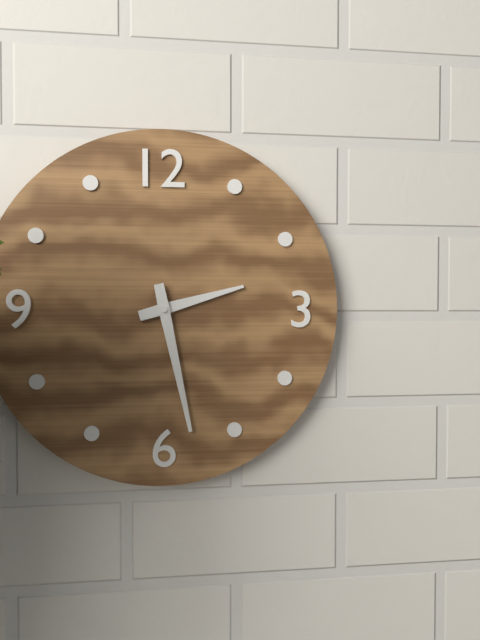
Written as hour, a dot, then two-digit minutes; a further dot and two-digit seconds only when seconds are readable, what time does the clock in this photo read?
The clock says 2.28
